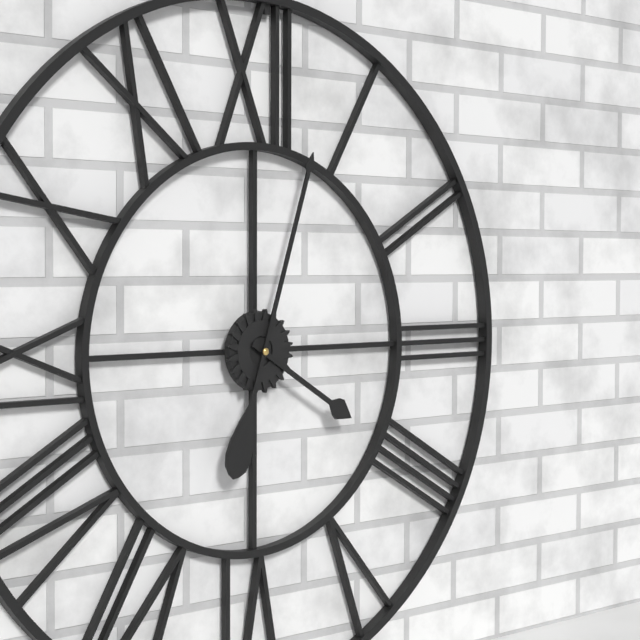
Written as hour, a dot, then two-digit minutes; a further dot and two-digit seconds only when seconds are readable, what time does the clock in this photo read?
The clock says 4.03
